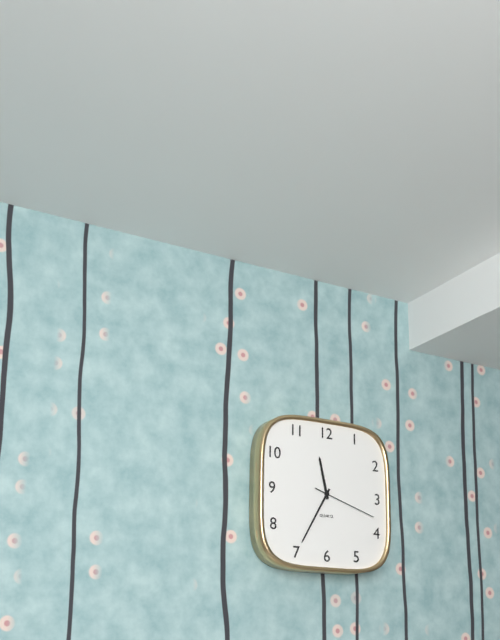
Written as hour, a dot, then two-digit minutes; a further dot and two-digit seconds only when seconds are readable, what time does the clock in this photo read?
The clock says 11.35.18
